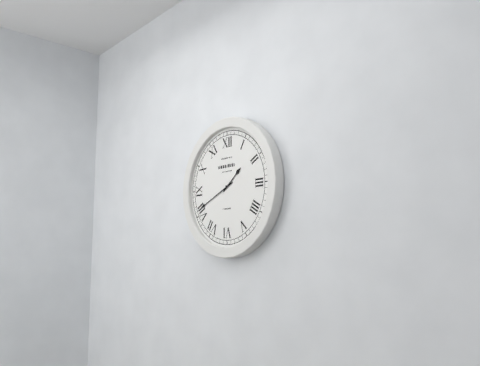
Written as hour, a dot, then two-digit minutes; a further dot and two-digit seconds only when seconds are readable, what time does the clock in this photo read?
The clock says 1.41
